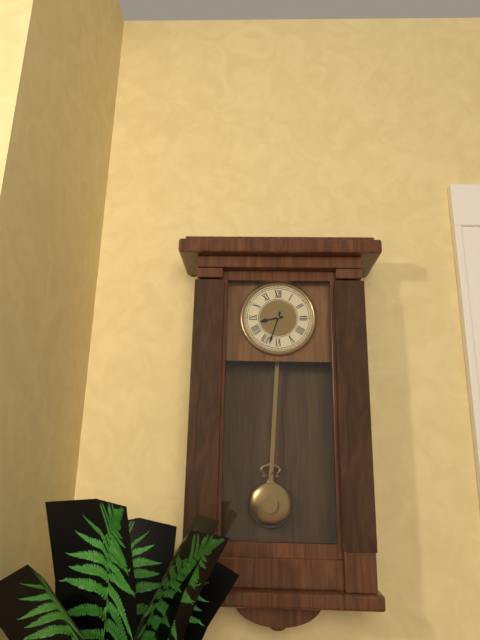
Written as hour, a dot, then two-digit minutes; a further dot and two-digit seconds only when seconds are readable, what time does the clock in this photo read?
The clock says 8.33
